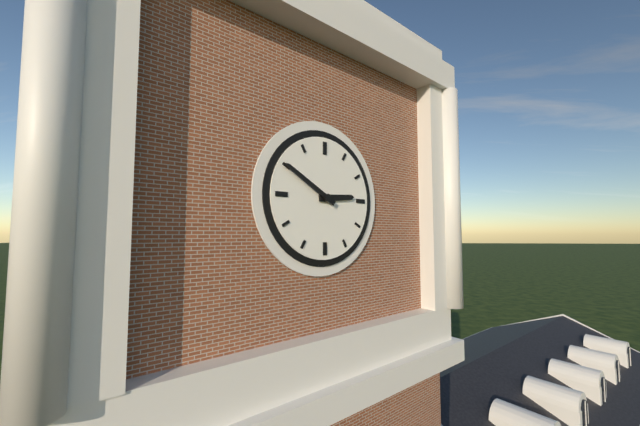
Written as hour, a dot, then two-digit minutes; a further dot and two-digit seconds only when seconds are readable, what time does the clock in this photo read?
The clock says 2.50
